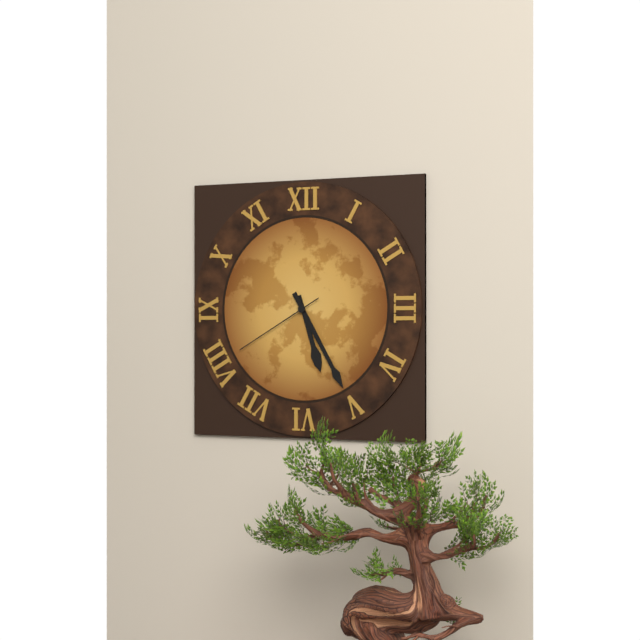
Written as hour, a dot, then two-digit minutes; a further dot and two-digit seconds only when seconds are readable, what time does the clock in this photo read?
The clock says 5.25.40
